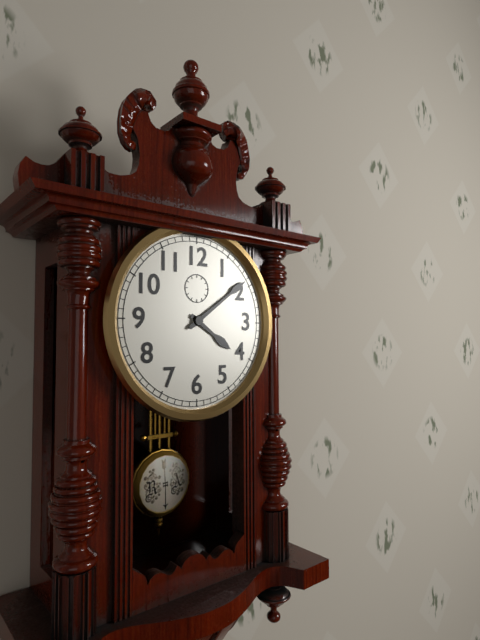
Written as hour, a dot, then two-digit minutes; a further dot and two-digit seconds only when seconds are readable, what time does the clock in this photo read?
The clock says 4.09
